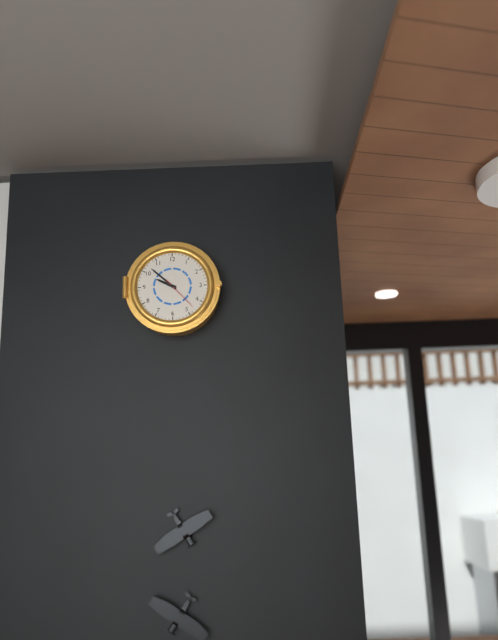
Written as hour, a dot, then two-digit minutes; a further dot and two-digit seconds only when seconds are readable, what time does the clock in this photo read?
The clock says 9.52
